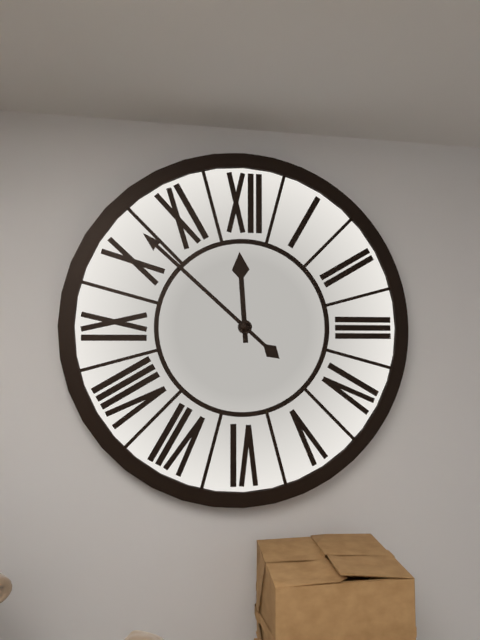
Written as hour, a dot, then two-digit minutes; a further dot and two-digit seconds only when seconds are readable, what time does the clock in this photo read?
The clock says 11.52
